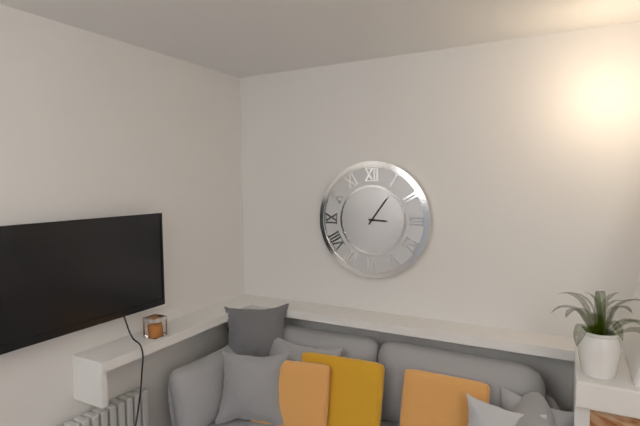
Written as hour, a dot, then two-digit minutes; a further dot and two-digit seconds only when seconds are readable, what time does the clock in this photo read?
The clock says 3.06
